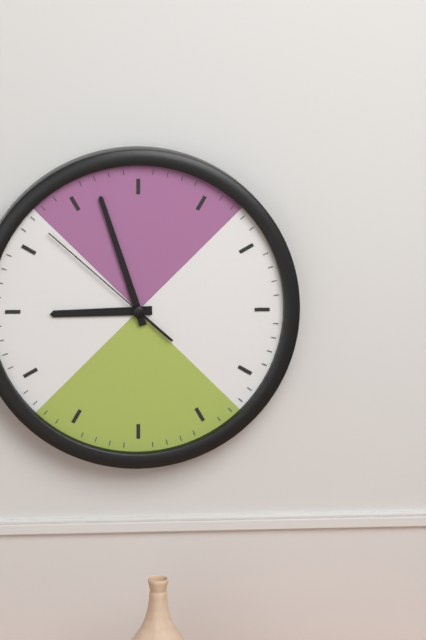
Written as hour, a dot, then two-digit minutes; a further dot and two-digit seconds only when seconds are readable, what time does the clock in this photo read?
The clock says 8.57.52
